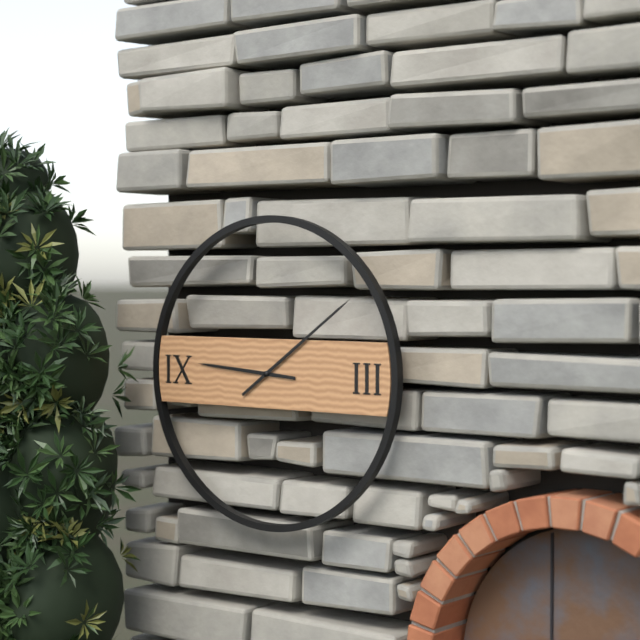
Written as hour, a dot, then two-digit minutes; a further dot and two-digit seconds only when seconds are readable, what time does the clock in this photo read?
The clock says 9.09
